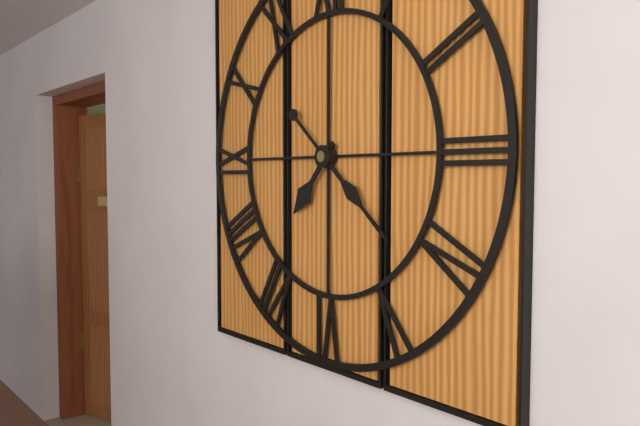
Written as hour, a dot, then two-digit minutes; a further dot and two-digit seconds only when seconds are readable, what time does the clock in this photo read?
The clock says 7.22
